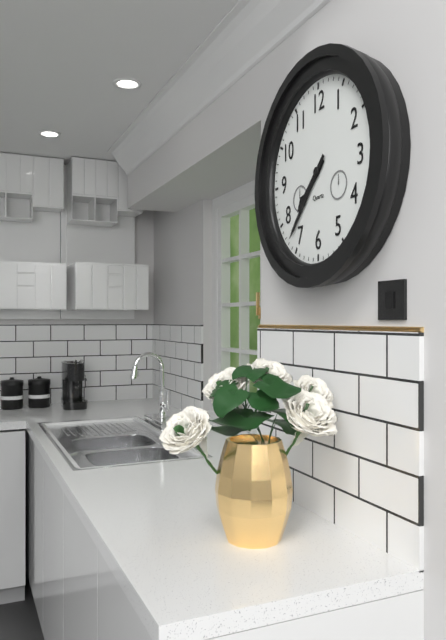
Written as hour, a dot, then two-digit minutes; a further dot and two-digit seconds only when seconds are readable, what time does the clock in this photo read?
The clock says 7.37
